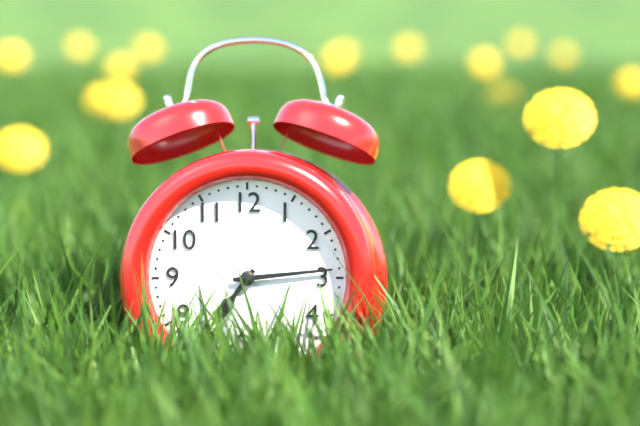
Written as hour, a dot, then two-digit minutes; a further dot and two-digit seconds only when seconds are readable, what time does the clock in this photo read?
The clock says 7.14
